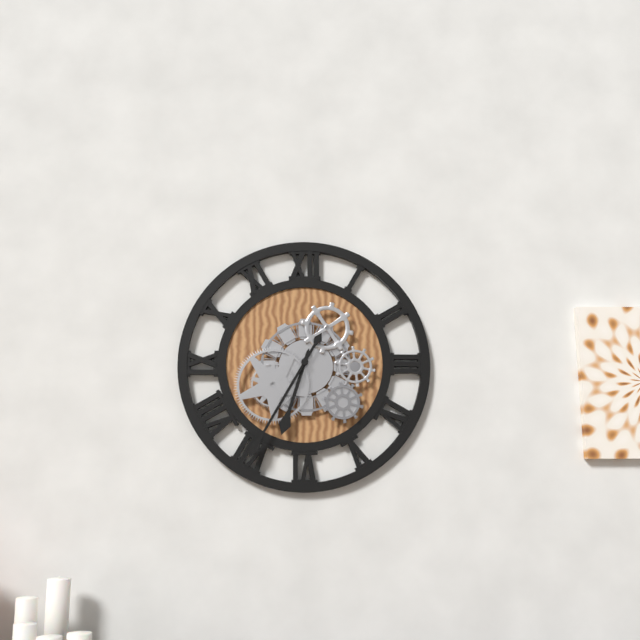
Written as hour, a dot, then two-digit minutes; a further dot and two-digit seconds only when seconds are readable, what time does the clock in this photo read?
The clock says 6.35
